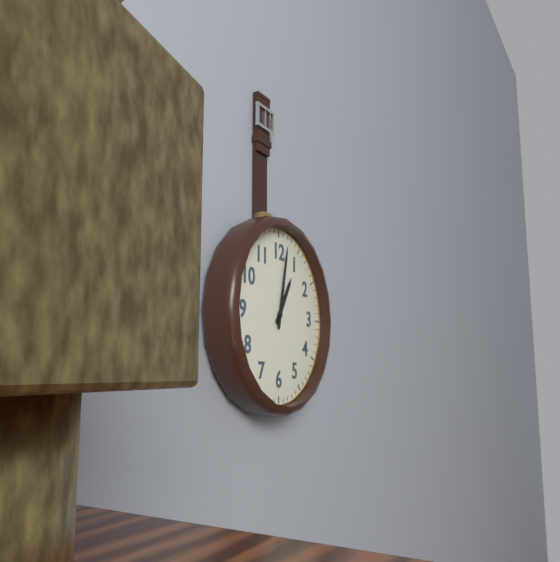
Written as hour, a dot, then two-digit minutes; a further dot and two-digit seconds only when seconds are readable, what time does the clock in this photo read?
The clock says 1.02
